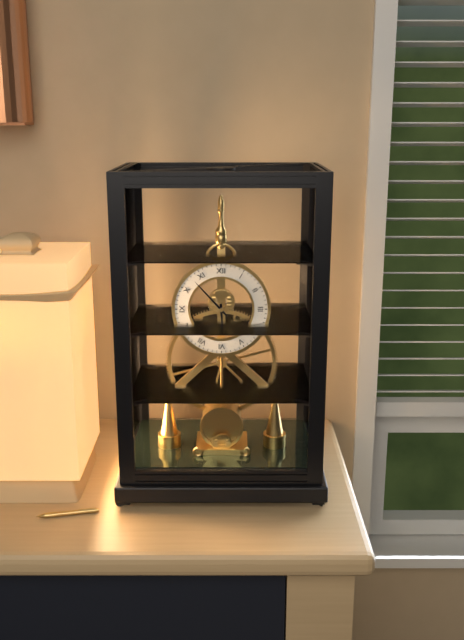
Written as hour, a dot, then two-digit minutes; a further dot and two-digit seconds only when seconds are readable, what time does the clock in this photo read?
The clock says 5.53
